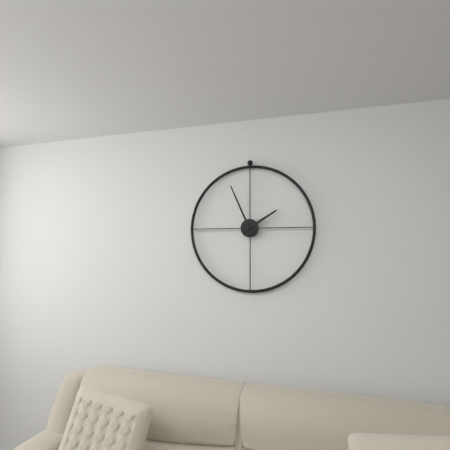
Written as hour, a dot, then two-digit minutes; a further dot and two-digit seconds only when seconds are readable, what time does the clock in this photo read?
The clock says 1.56
